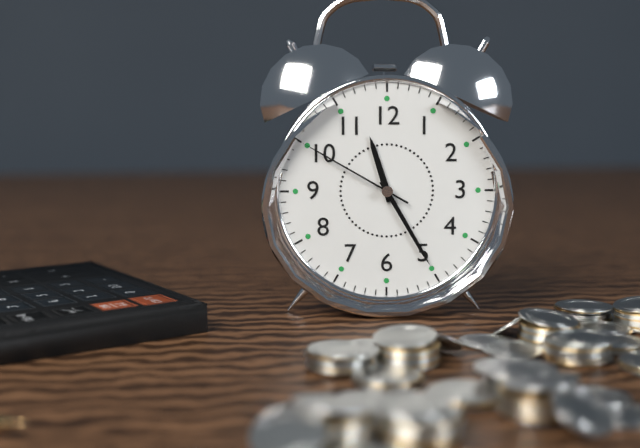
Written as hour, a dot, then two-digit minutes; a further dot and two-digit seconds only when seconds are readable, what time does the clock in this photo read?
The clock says 11.25.50
